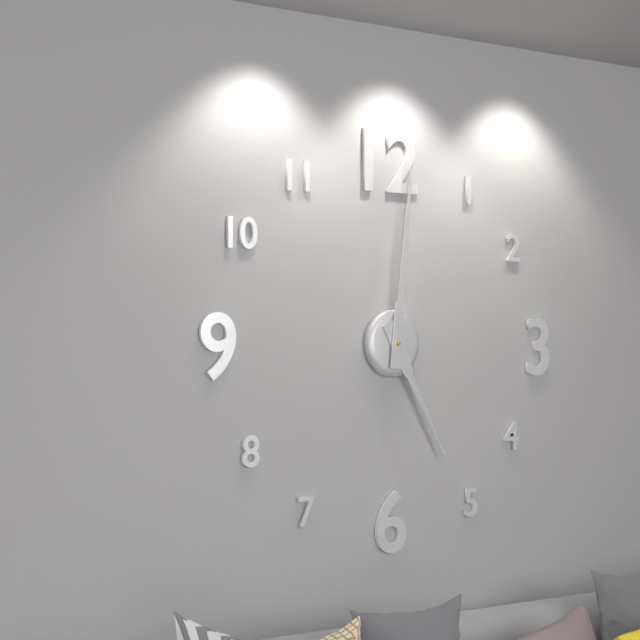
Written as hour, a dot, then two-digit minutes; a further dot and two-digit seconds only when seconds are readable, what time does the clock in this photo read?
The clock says 5.01
